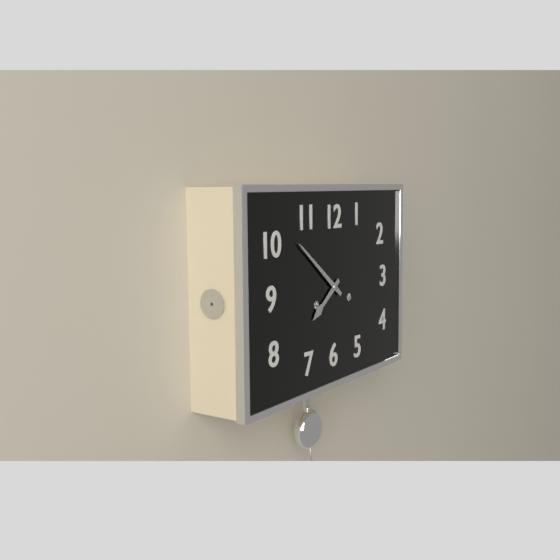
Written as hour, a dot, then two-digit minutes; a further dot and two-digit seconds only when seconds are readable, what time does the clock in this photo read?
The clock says 7.51
